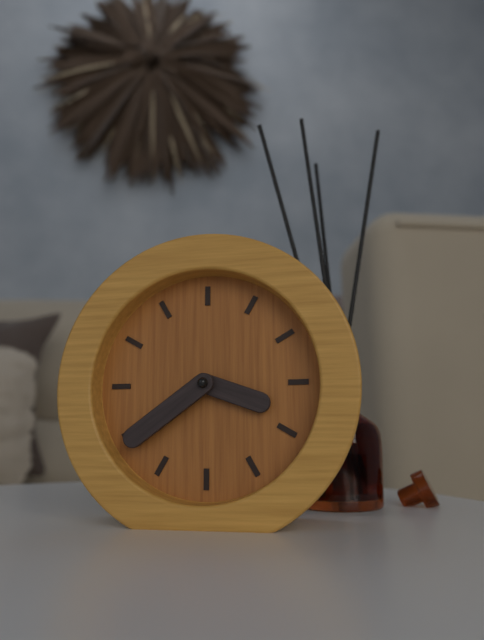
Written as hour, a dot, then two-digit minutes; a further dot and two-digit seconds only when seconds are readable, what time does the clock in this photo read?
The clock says 3.39
